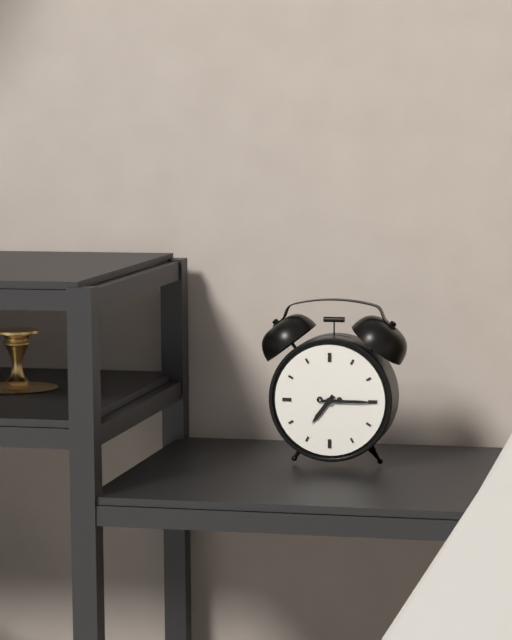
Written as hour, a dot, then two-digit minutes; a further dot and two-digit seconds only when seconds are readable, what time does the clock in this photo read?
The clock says 7.15
